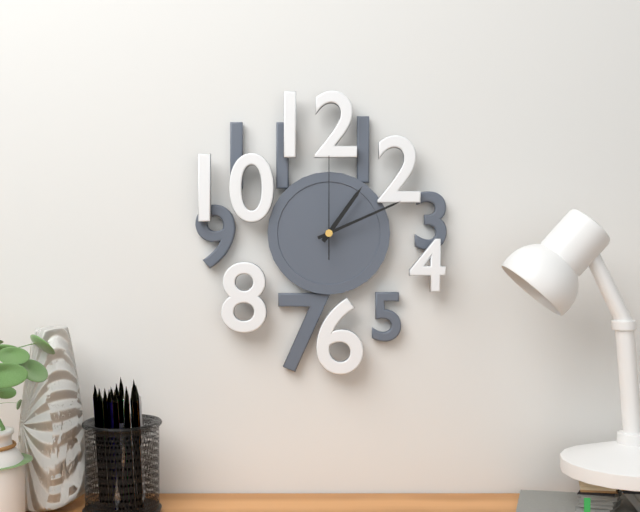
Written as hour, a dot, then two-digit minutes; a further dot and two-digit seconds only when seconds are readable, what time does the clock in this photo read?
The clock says 1.11.00
